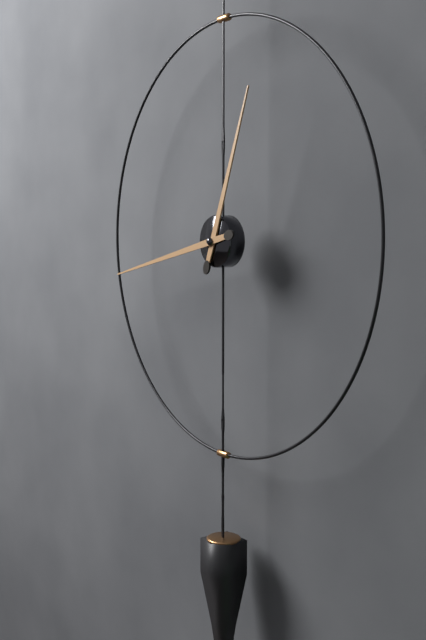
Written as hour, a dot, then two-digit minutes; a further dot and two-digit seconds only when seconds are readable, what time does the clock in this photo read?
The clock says 12.43
